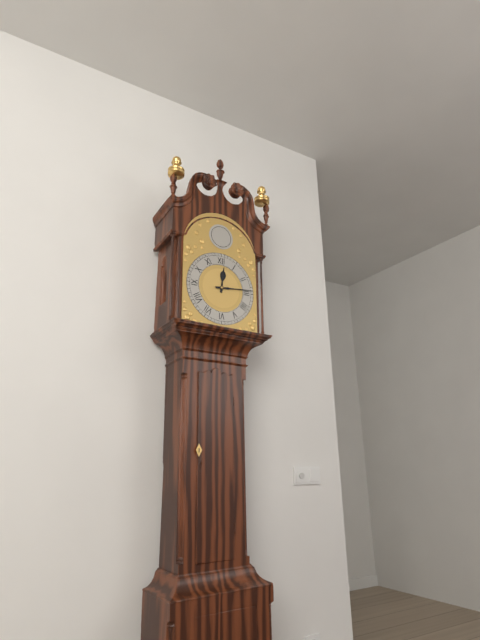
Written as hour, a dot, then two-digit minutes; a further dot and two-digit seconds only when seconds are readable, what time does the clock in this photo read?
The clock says 12.14
